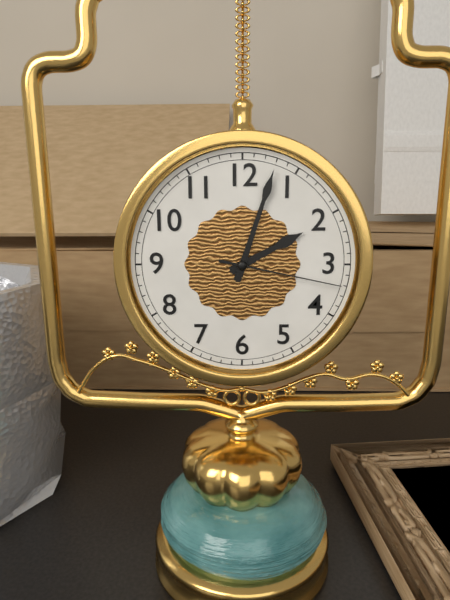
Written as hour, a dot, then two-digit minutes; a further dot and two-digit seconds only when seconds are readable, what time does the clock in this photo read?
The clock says 2.03.17
